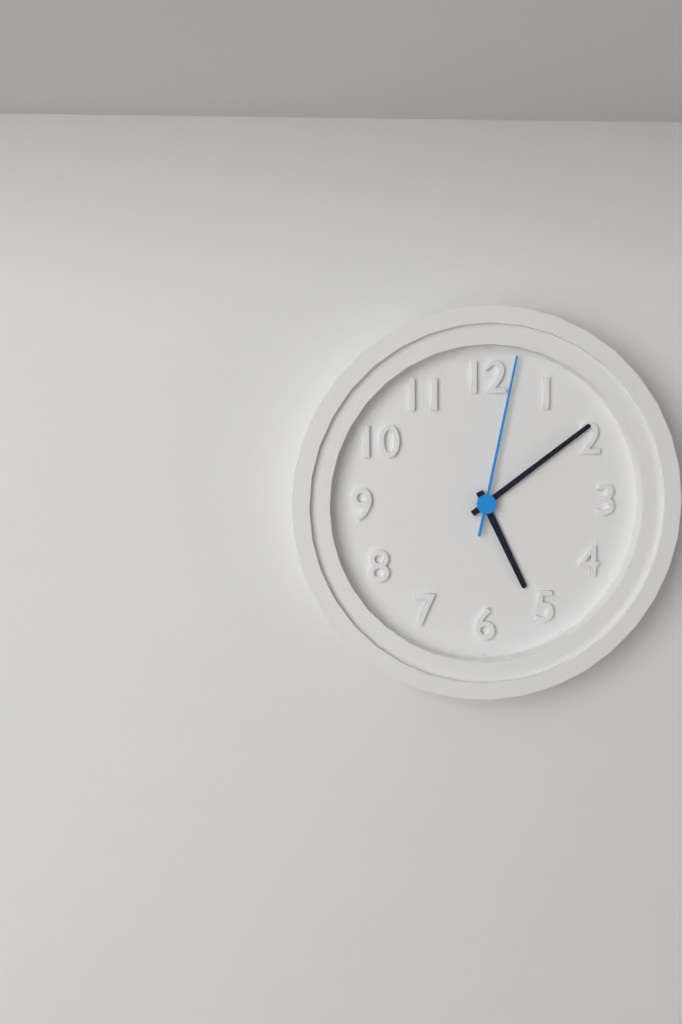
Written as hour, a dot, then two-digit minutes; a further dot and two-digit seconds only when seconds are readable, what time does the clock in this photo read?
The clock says 5.09.02
